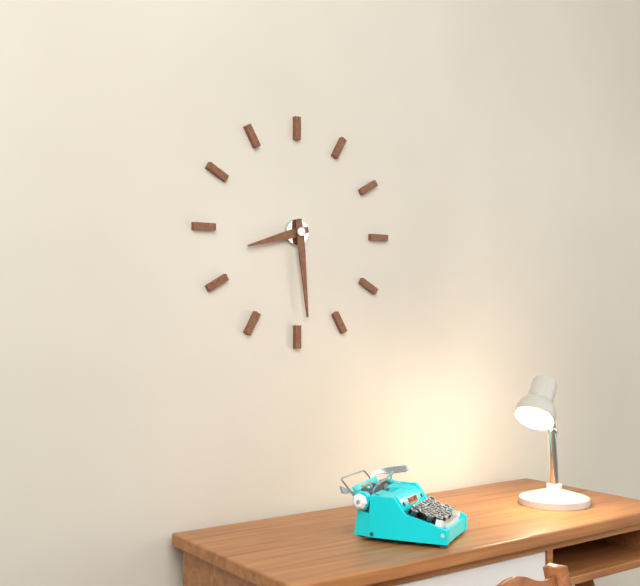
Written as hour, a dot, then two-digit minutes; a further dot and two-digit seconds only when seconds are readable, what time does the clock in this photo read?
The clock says 8.29
